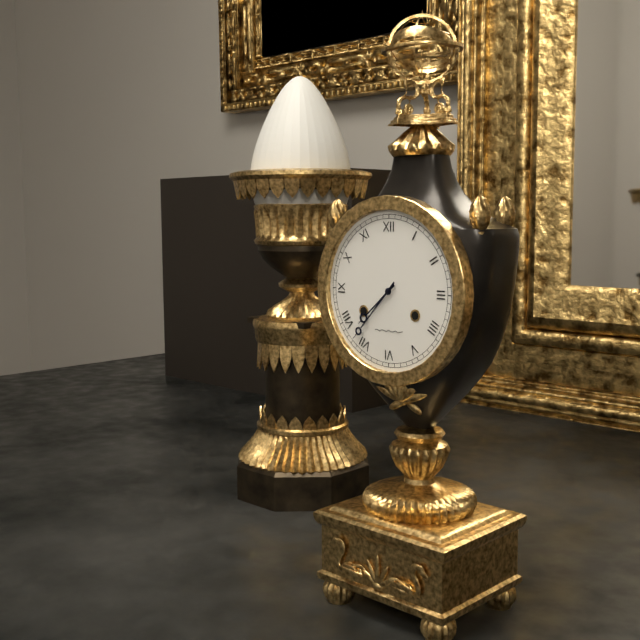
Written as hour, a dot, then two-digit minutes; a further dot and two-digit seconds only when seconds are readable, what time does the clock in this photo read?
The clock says 7.37
